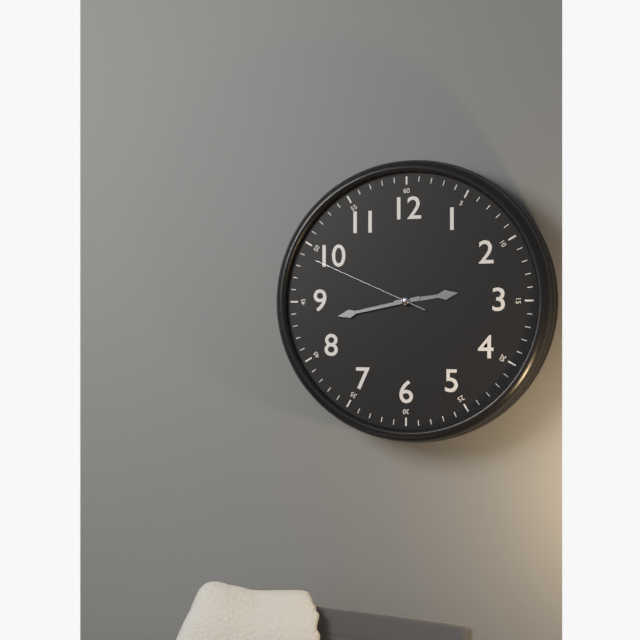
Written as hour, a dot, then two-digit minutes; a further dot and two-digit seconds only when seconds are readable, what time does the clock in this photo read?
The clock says 2.43.49
